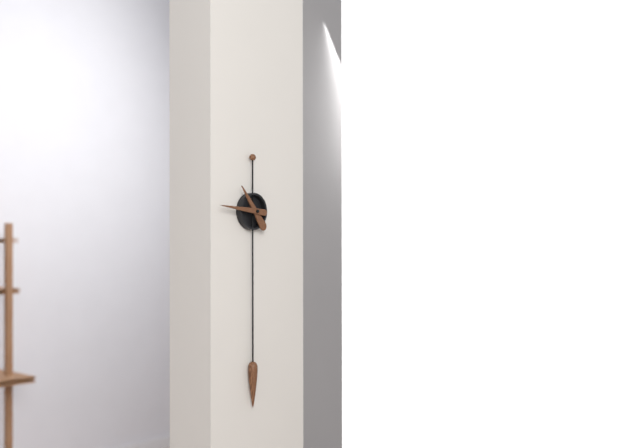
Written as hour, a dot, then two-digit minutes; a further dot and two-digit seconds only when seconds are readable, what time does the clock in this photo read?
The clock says 10.46
